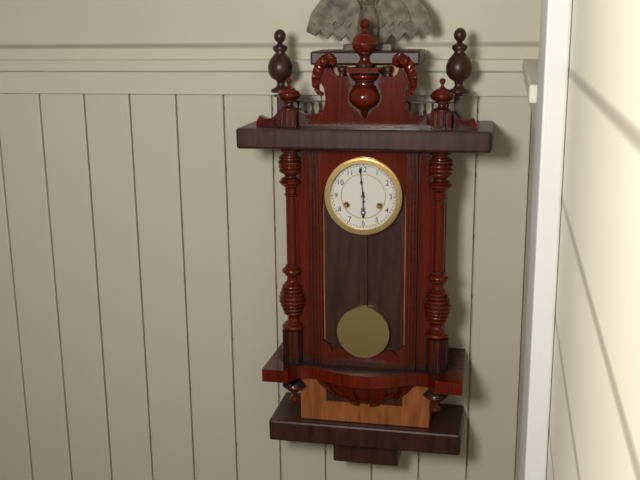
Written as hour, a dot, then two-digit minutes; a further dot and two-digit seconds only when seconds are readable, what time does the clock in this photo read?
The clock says 5.59
